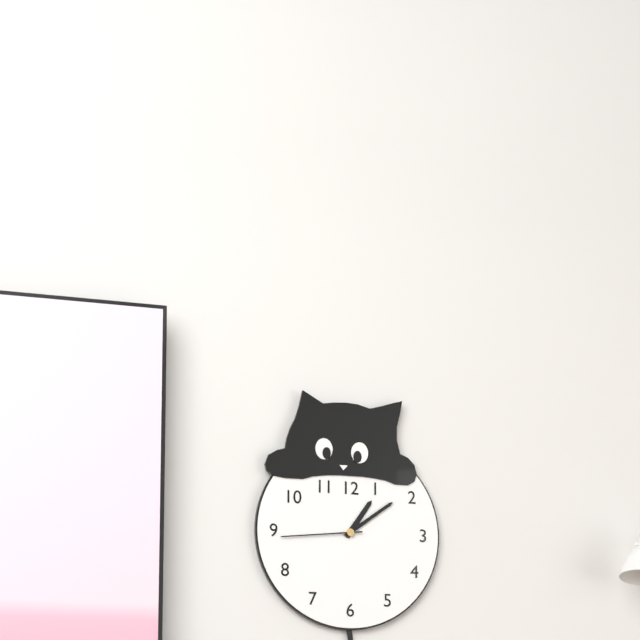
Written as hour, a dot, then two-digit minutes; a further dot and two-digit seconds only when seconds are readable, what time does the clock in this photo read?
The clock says 1.09.44
